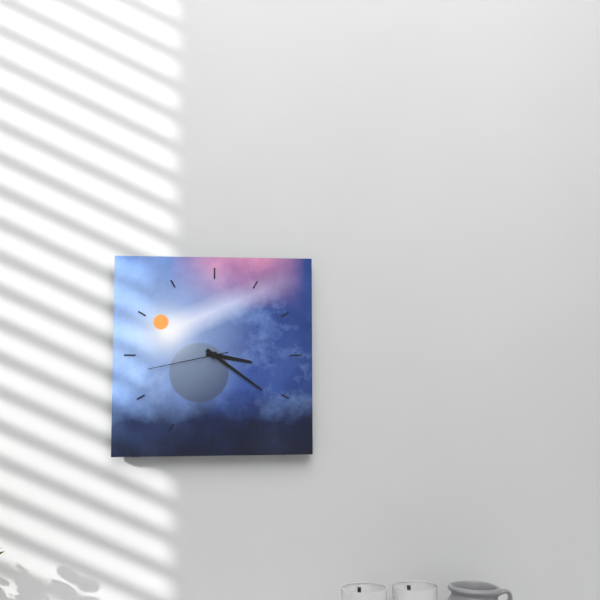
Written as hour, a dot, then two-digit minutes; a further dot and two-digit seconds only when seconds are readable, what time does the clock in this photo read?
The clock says 3.21.43
